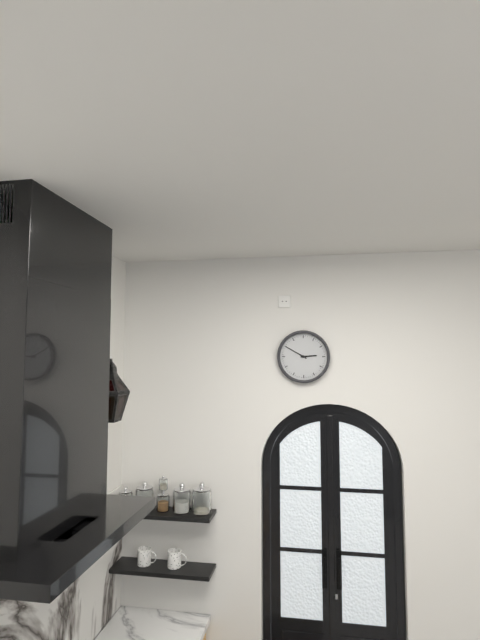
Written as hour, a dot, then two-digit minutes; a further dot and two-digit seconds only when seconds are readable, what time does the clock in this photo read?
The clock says 2.50
